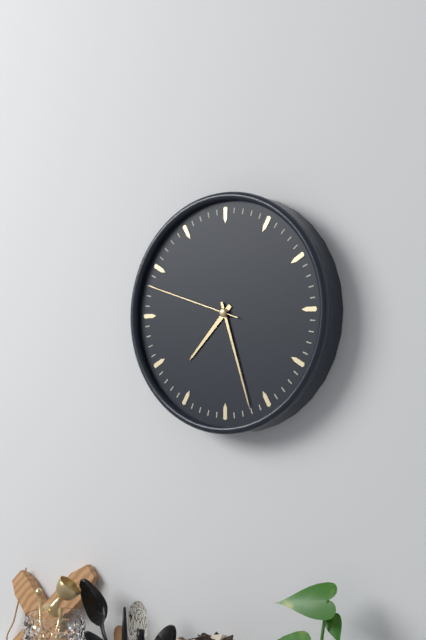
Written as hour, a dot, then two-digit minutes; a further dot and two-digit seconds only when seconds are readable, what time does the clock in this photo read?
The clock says 7.27.48
